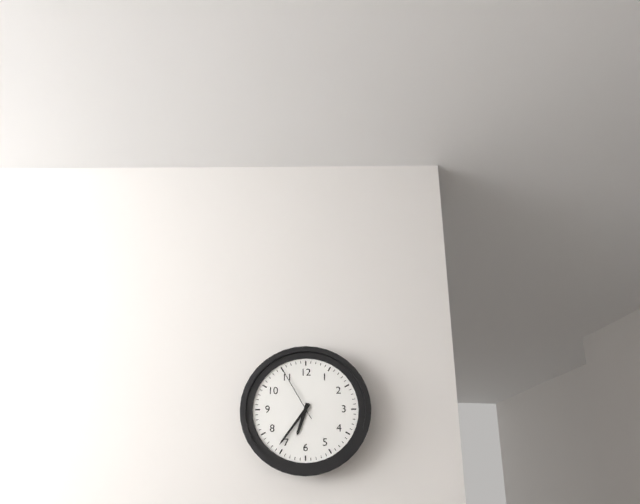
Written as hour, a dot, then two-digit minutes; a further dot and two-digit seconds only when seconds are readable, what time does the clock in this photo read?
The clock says 6.36.55
